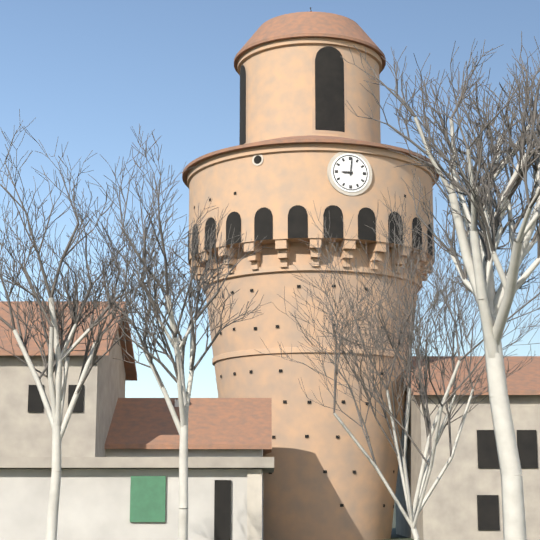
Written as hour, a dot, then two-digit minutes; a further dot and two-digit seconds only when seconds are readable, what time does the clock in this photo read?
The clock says 9.01
